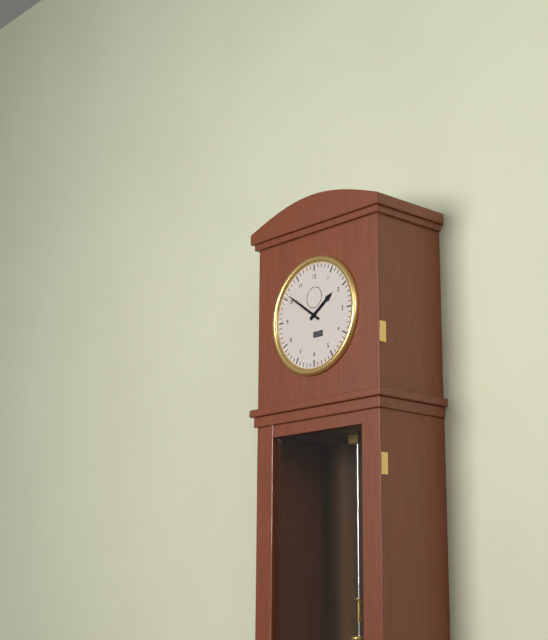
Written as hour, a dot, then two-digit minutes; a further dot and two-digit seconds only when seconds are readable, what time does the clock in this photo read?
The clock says 1.51
